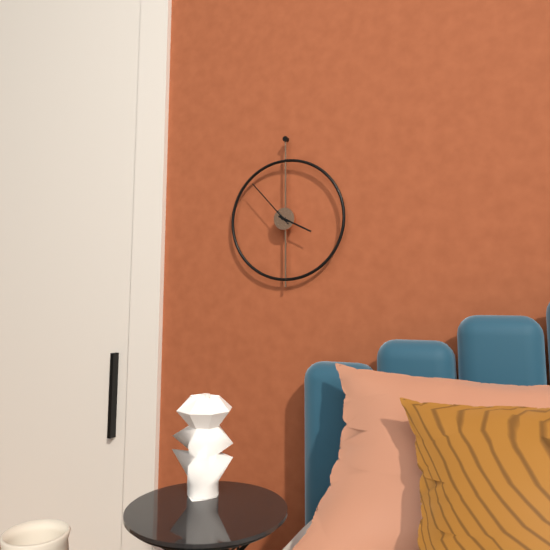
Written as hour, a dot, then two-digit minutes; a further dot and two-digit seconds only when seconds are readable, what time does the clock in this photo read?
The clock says 3.53
